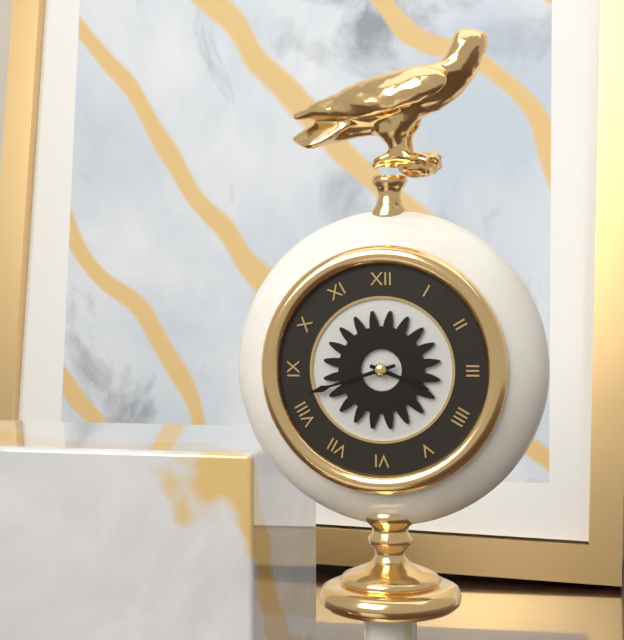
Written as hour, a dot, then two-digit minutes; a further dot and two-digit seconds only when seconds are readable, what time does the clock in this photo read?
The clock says 3.42
